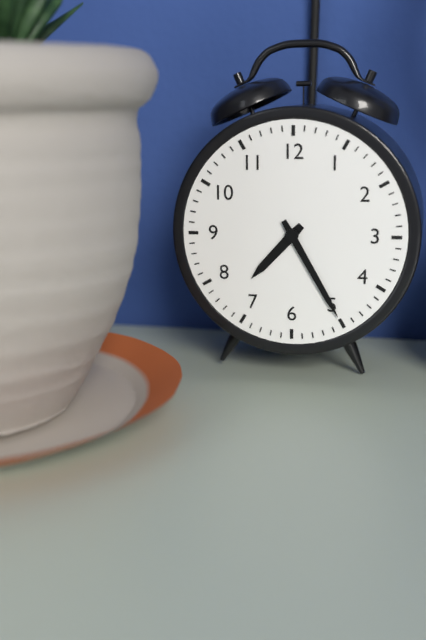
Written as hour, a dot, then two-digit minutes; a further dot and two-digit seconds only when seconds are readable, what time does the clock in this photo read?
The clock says 7.25
